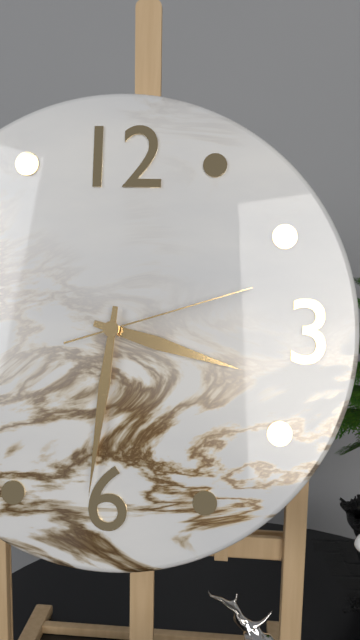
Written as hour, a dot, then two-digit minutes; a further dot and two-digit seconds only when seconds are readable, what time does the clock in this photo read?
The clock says 3.31.12
